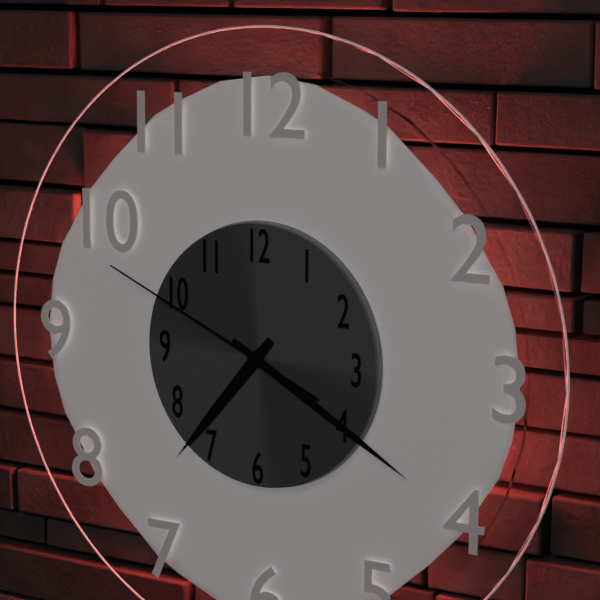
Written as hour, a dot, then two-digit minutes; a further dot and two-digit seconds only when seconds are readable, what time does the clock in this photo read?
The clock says 7.20.49
